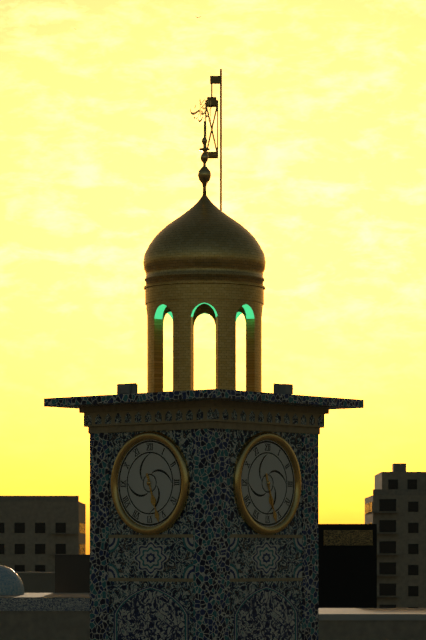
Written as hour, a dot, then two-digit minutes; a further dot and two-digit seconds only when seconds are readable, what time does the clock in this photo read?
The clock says 5.27
